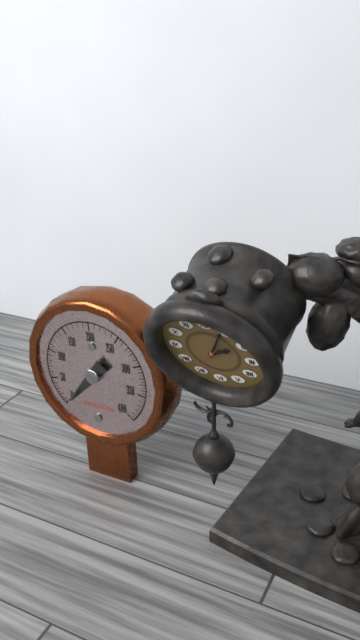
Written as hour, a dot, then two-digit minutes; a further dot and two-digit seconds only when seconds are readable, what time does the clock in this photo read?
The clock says 2.04
